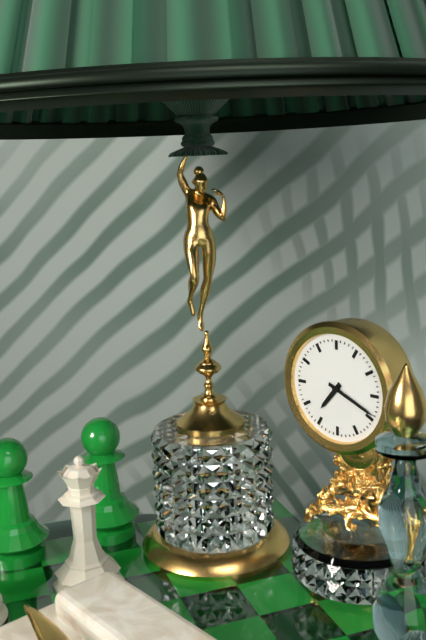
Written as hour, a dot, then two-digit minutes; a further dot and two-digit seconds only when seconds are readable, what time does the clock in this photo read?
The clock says 7.19
